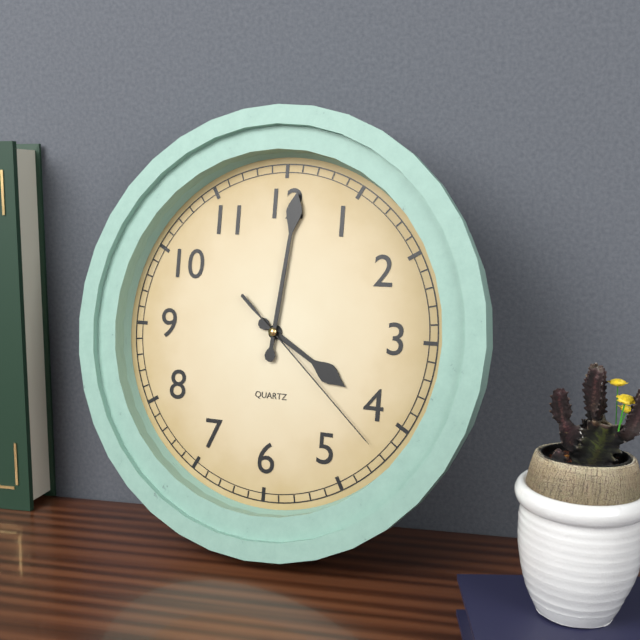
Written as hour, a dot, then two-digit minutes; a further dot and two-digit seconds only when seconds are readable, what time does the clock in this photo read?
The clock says 4.01.22
